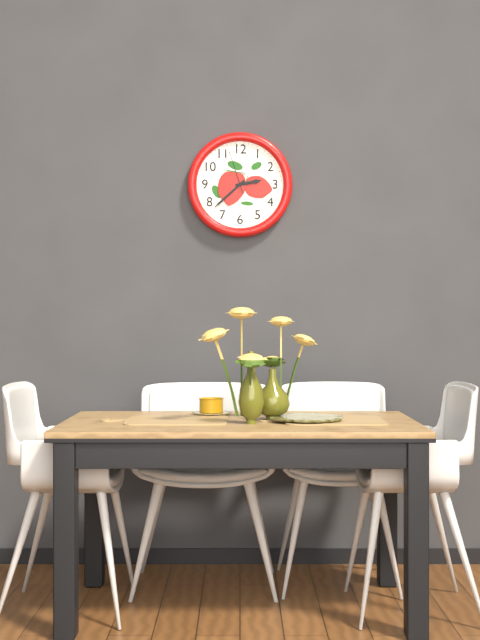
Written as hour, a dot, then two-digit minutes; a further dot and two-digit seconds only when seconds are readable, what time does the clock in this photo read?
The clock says 2.38
